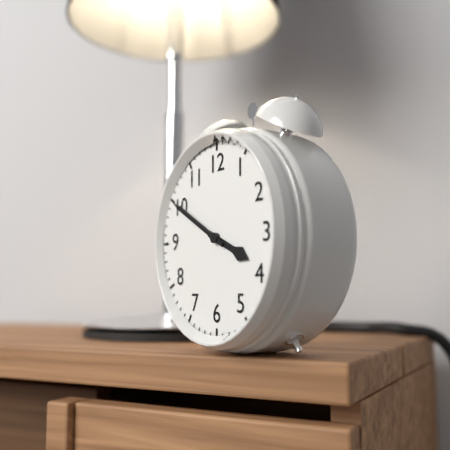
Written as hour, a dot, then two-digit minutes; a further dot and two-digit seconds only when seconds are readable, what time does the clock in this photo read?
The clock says 3.50
